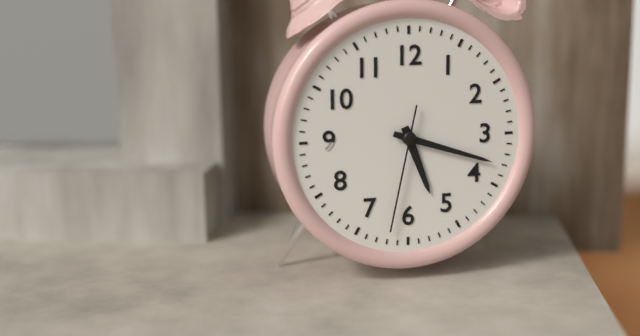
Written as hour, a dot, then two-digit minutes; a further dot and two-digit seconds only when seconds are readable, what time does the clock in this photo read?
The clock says 5.18.32
